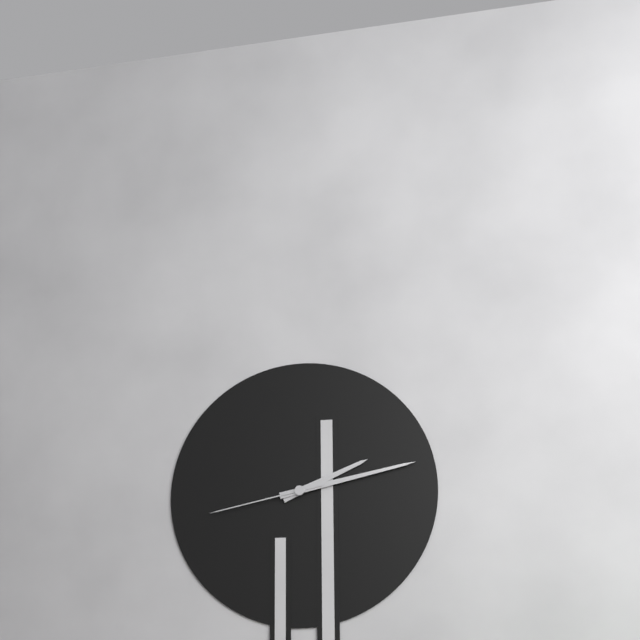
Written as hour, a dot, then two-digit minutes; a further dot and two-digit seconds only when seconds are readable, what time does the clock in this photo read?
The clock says 2.13.43
